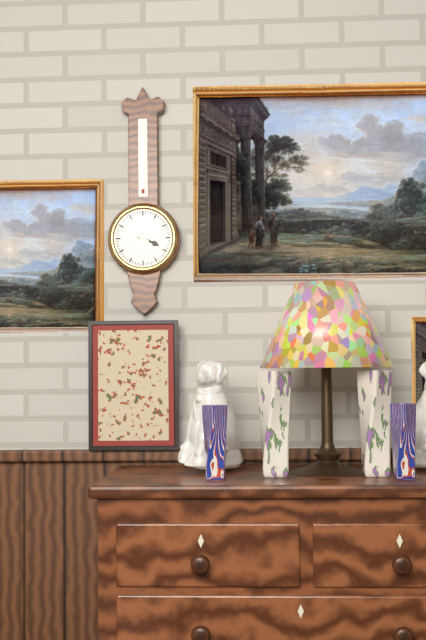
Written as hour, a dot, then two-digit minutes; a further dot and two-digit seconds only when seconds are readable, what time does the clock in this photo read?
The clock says 3.51
